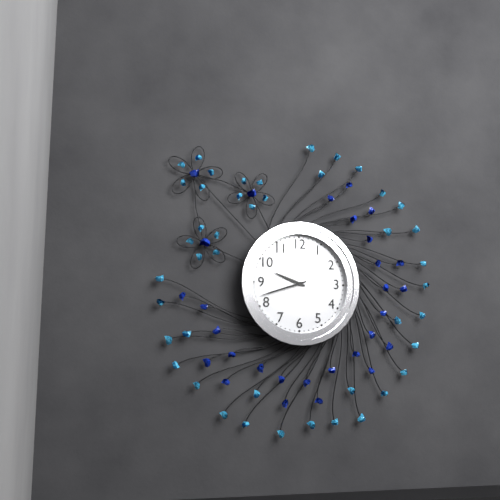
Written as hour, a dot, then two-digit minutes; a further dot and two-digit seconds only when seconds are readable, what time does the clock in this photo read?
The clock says 9.42
